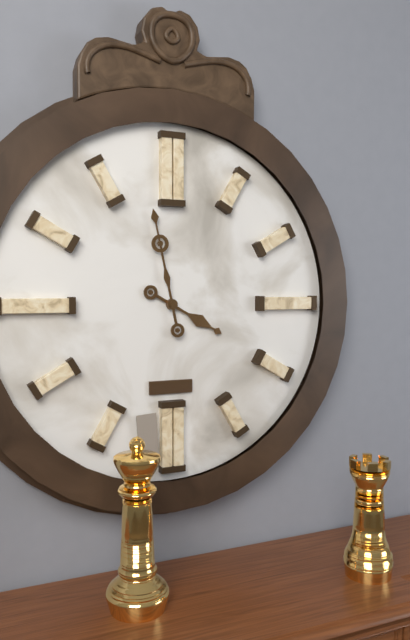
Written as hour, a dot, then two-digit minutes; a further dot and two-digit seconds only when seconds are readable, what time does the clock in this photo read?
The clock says 3.58
